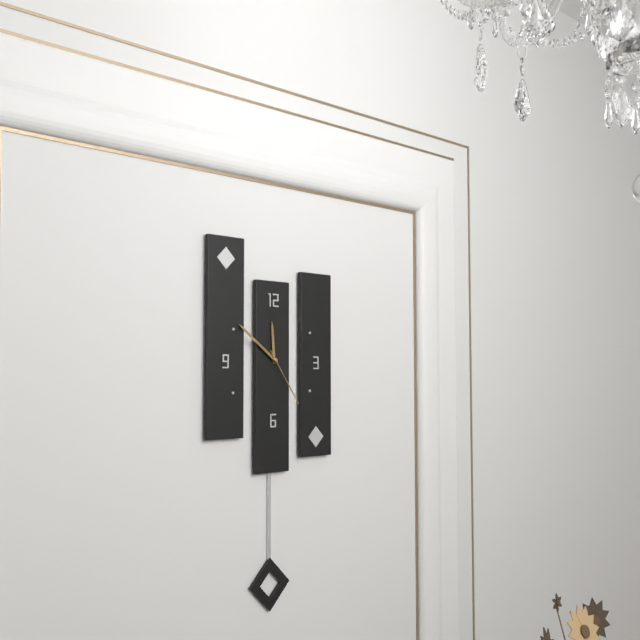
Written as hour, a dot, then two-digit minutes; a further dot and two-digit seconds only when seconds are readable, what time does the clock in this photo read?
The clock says 11.51.24
